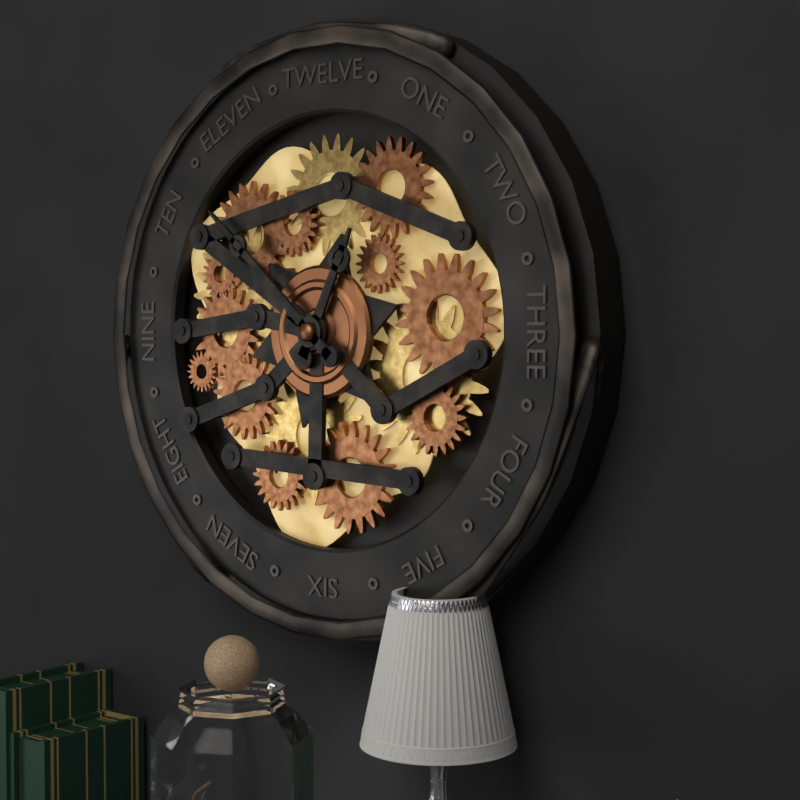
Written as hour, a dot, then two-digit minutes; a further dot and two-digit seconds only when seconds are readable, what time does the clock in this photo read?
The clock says 12.52
